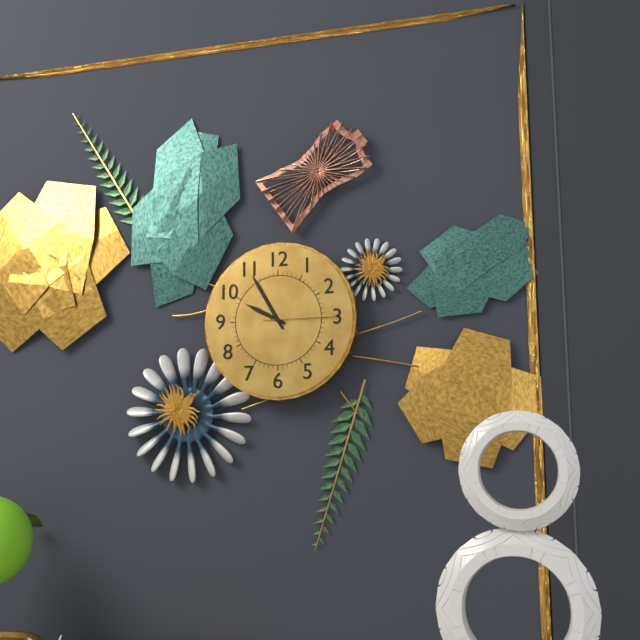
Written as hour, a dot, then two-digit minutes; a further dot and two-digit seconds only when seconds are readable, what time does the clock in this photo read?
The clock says 9.55.15
